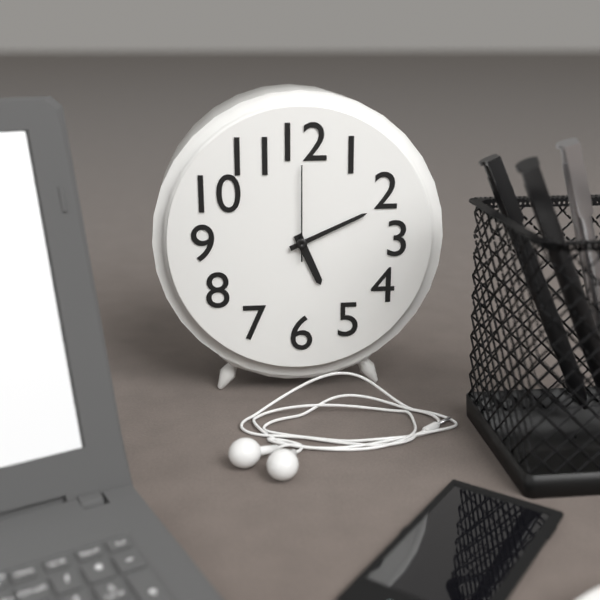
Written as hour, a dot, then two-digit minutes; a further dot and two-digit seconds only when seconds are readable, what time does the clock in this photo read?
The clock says 5.11.00
